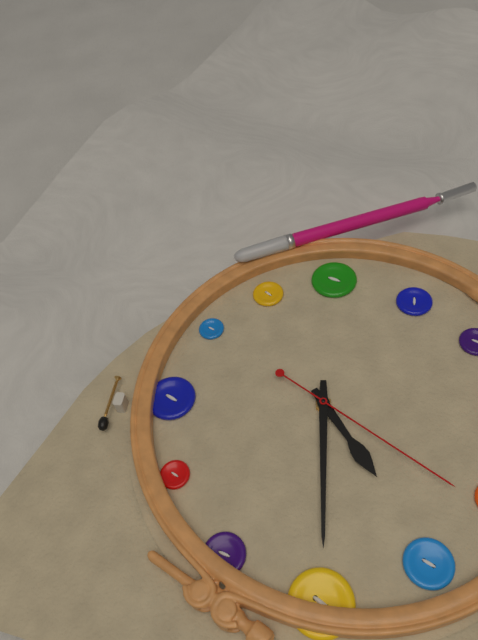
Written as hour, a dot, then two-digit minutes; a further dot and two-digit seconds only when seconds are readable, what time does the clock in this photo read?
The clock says 9.55.46
